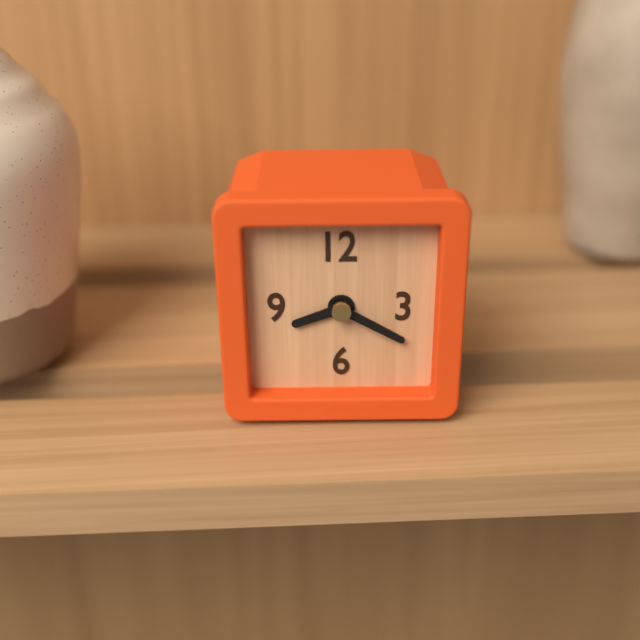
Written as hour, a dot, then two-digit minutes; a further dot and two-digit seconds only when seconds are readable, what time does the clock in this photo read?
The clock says 8.20
